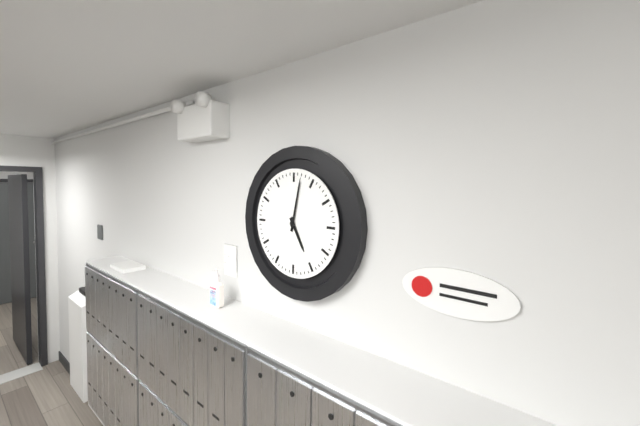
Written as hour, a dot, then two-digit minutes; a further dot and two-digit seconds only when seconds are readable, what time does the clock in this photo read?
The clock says 5.02
